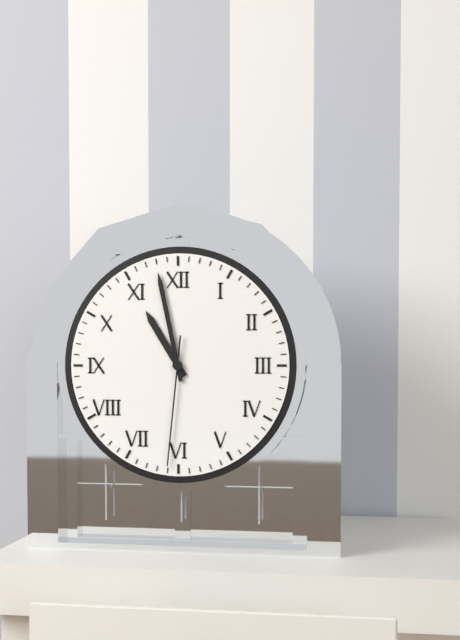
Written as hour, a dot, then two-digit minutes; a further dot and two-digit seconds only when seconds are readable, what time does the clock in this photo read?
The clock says 10.58.31
